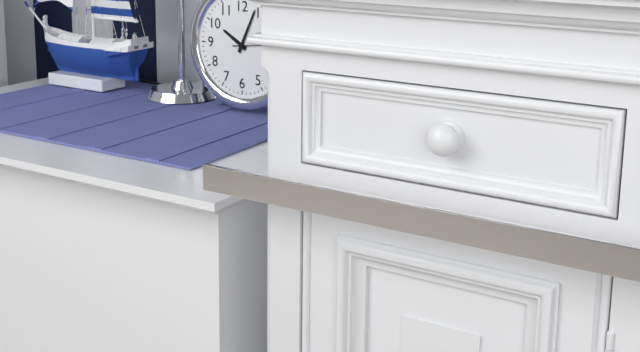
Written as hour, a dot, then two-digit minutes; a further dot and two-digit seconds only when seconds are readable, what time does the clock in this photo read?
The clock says 10.04
